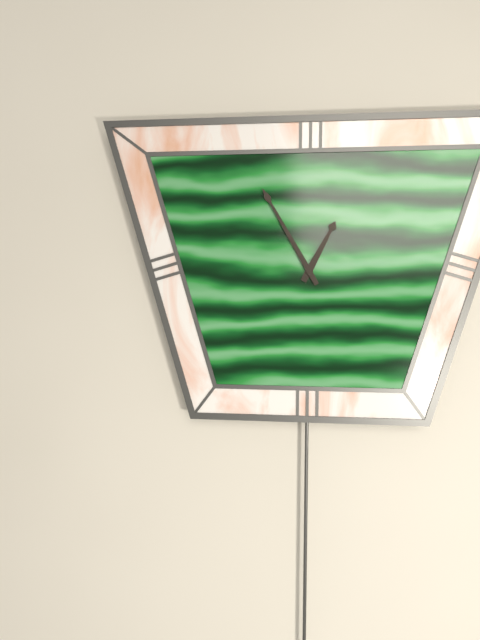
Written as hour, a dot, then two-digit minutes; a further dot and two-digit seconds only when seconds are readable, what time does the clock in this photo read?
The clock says 12.55
